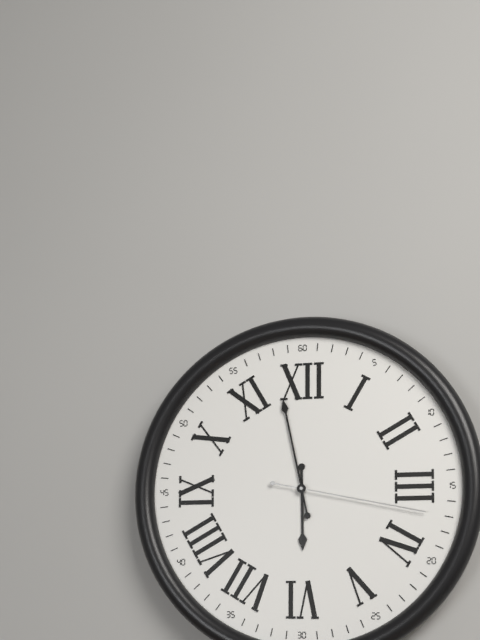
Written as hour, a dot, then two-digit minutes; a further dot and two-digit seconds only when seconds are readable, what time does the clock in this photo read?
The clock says 5.58.17
